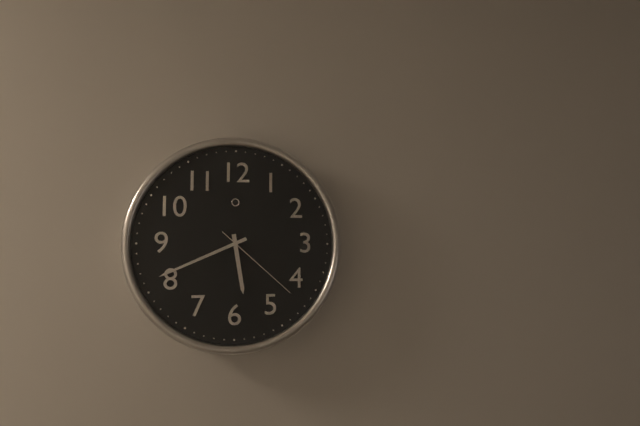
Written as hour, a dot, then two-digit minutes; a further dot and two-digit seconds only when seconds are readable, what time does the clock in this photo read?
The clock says 5.41.22
